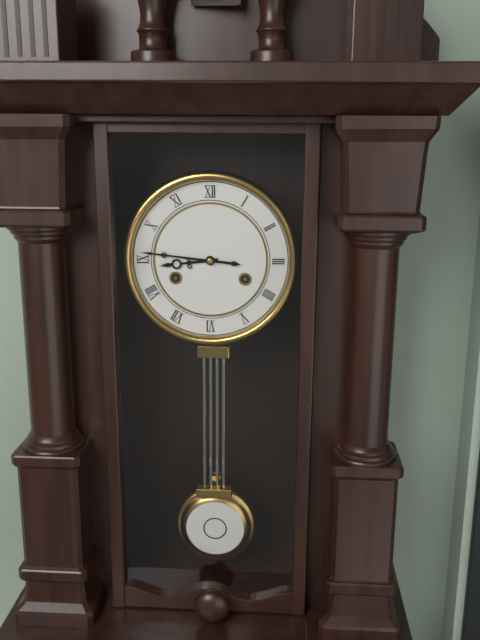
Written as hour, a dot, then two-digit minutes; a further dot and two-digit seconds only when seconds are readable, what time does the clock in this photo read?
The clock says 8.46
